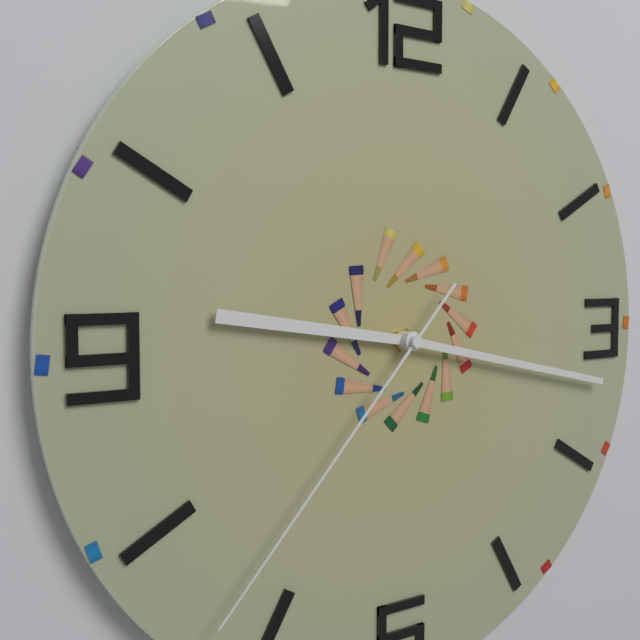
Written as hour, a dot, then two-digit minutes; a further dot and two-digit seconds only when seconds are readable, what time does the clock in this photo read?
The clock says 9.17.37
